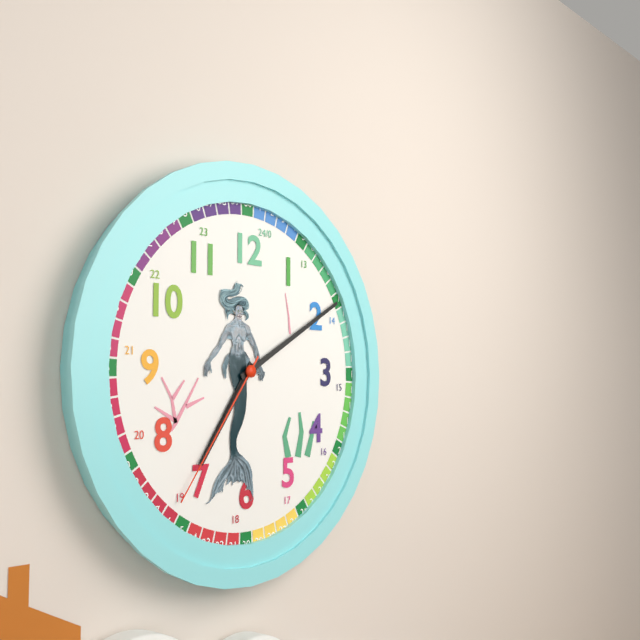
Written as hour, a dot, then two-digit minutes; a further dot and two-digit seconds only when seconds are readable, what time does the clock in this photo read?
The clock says 7.10.36
